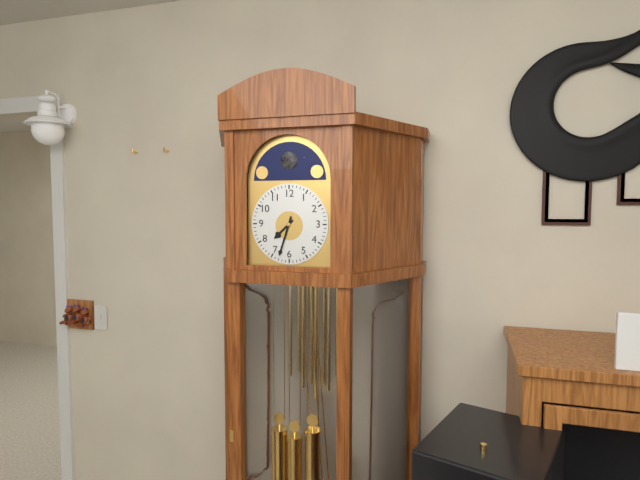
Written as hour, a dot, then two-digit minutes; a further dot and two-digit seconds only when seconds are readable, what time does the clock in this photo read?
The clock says 7.33
